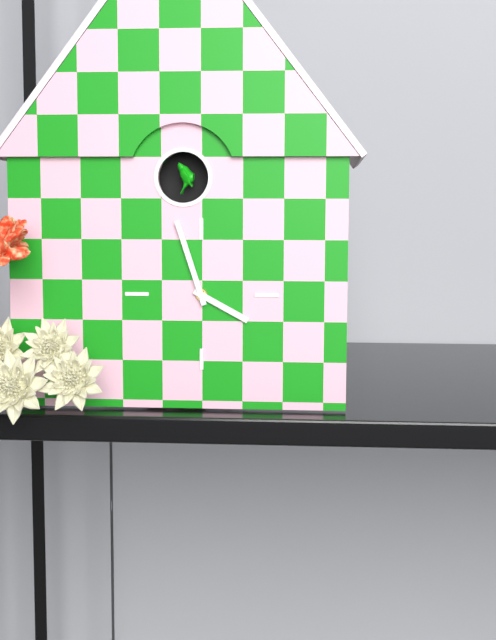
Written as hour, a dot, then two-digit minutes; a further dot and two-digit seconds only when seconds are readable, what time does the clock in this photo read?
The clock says 3.57
